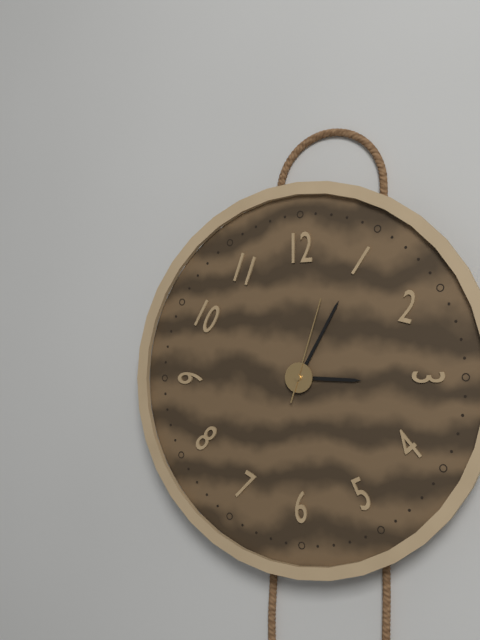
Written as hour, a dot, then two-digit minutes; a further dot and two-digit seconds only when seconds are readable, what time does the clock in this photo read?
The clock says 3.05.03
